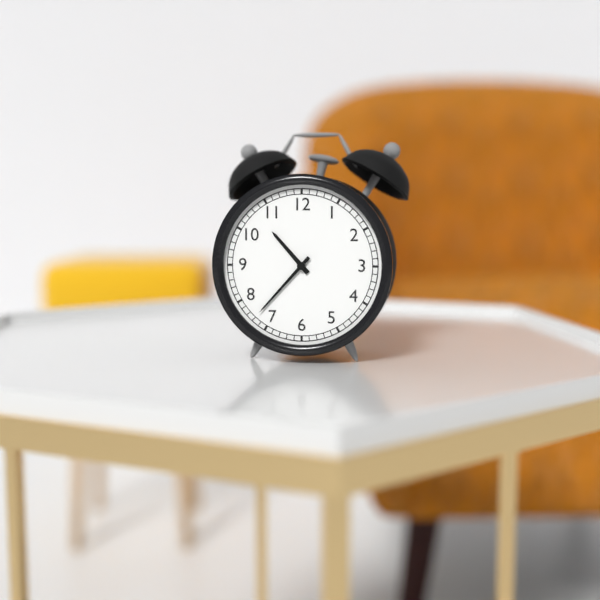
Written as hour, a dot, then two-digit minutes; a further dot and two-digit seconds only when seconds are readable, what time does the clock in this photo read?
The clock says 10.37
